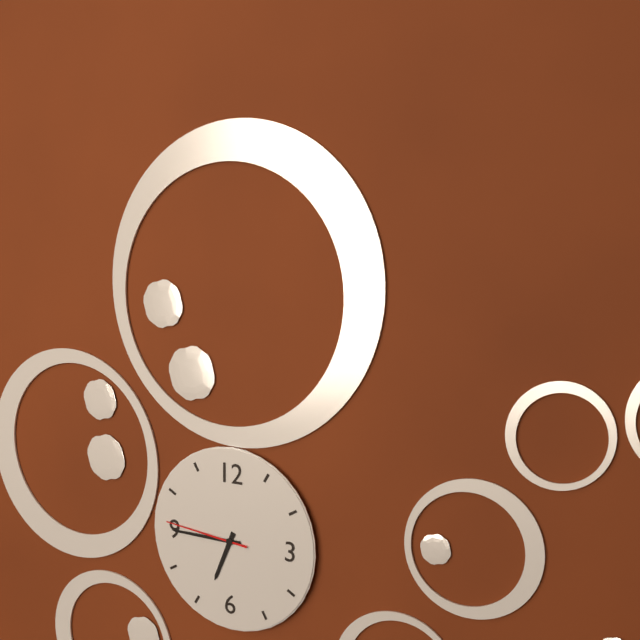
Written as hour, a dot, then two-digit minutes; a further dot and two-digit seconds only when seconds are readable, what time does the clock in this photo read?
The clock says 6.45.46
